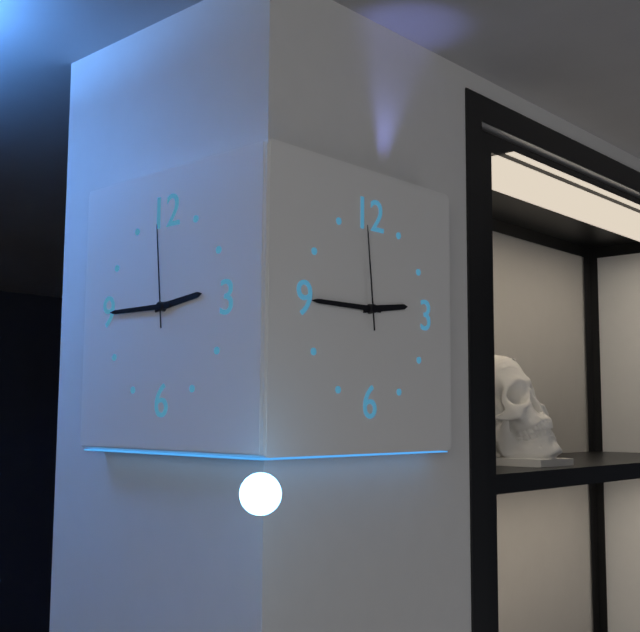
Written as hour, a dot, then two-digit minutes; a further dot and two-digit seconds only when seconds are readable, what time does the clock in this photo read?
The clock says 2.45.59
